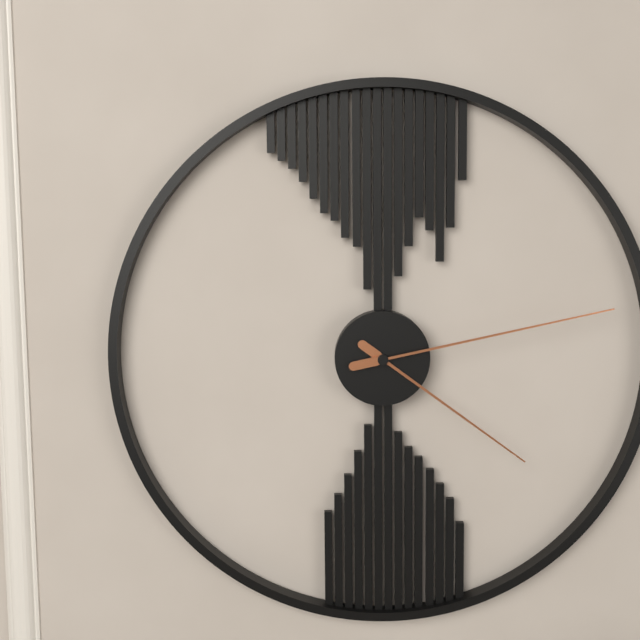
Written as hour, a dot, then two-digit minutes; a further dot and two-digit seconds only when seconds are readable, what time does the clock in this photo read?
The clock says 4.13
